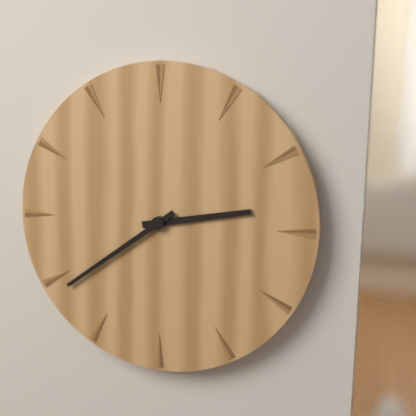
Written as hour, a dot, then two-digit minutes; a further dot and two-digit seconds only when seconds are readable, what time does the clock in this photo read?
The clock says 2.39
